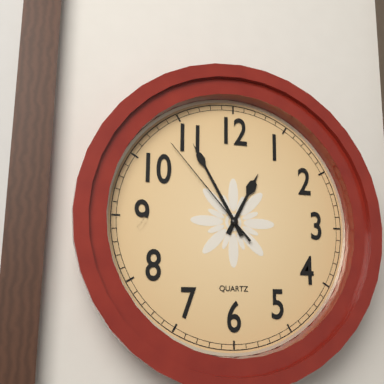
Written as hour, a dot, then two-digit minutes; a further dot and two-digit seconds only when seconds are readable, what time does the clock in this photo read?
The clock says 12.55.53
